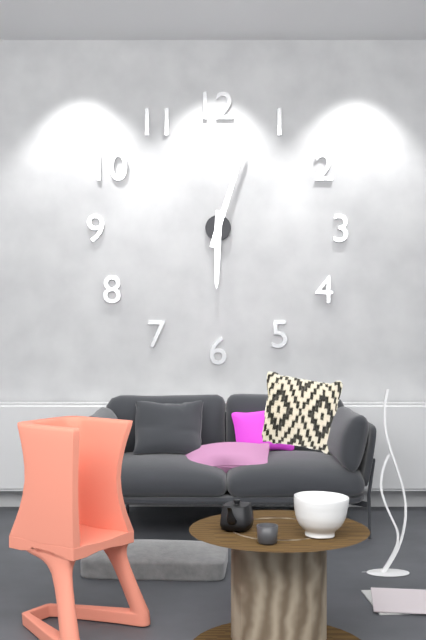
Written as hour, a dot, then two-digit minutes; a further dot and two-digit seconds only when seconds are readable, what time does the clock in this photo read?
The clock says 6.03
